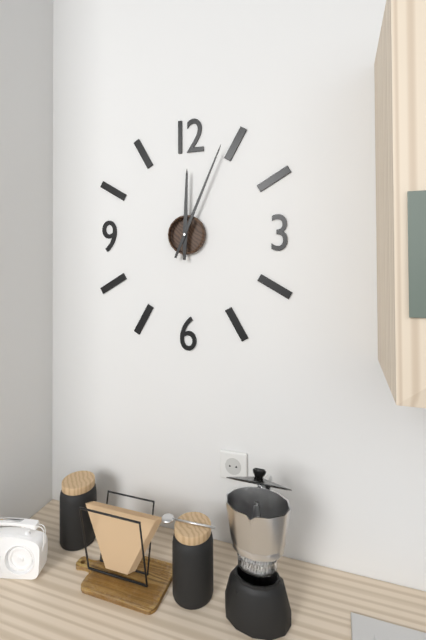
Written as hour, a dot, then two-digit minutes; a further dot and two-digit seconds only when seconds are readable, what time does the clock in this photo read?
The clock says 12.04
